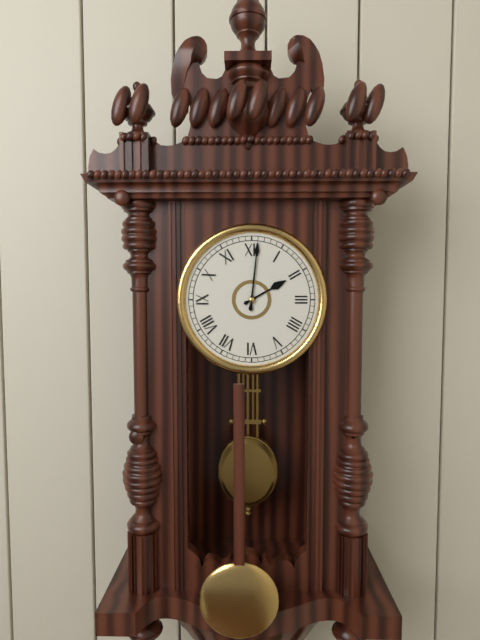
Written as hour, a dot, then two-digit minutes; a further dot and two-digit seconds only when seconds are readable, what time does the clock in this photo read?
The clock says 2.01
